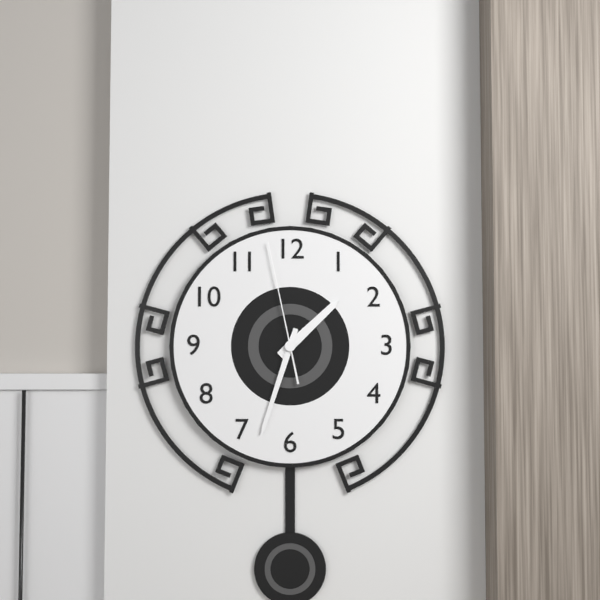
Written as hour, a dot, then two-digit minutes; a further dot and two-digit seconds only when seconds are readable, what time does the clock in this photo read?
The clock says 1.33.58
